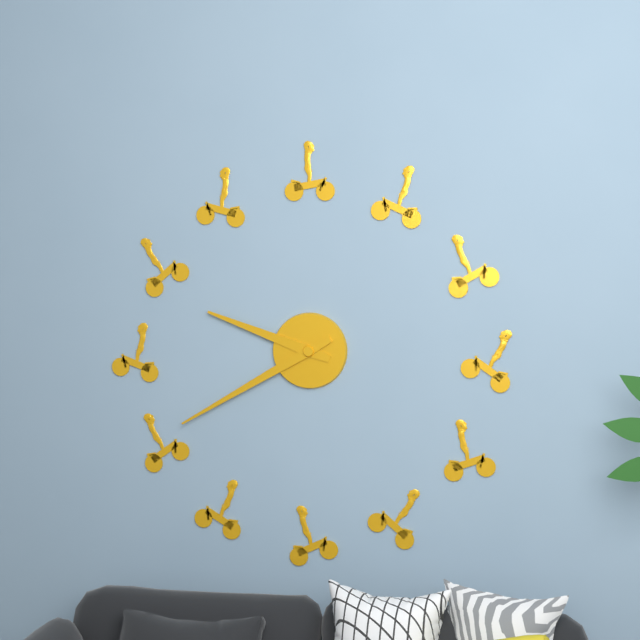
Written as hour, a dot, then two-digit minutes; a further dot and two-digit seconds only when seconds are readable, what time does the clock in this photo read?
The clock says 9.40
